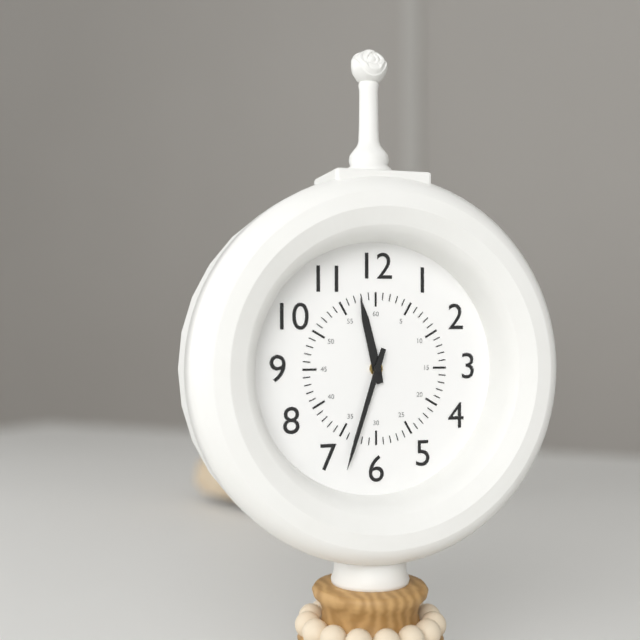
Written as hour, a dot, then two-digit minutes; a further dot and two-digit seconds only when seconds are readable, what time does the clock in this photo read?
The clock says 11.33
